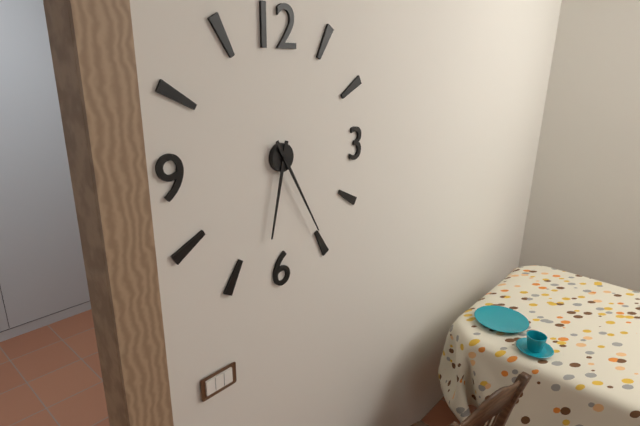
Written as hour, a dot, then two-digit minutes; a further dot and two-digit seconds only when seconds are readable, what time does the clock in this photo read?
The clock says 6.25
